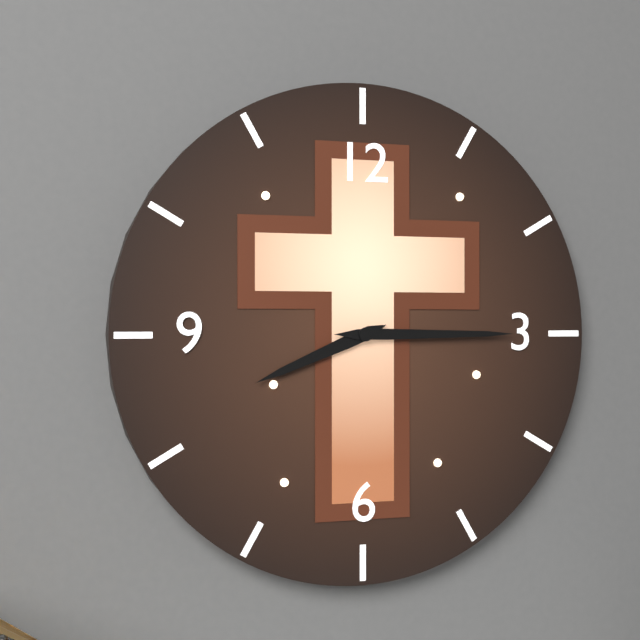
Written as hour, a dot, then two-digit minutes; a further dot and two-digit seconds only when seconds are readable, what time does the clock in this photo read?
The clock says 8.15
